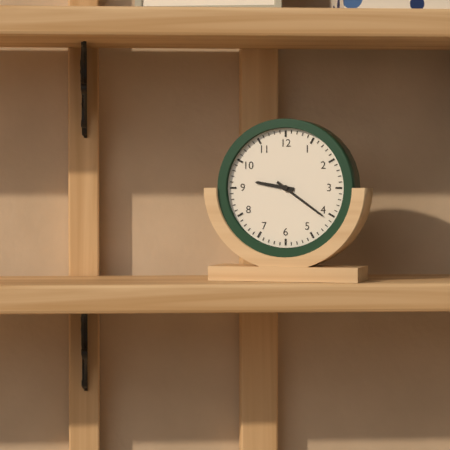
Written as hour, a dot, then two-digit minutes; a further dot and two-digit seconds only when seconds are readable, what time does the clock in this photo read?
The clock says 9.21
